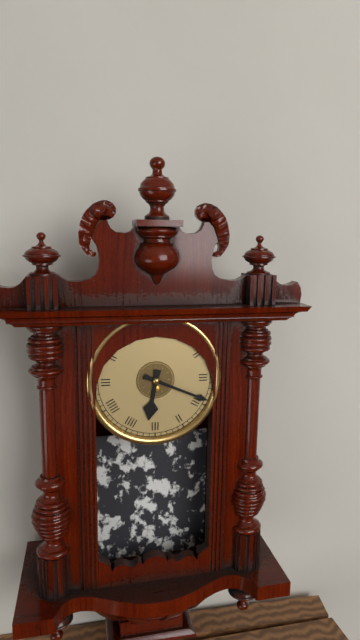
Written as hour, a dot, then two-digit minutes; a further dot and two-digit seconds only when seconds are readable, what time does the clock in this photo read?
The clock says 6.19
